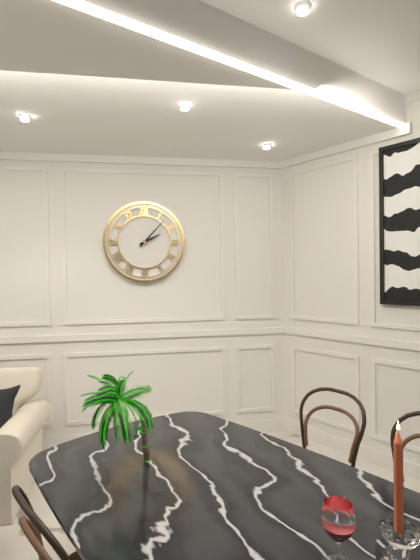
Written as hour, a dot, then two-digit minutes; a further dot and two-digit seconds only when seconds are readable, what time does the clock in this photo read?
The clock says 2.07
